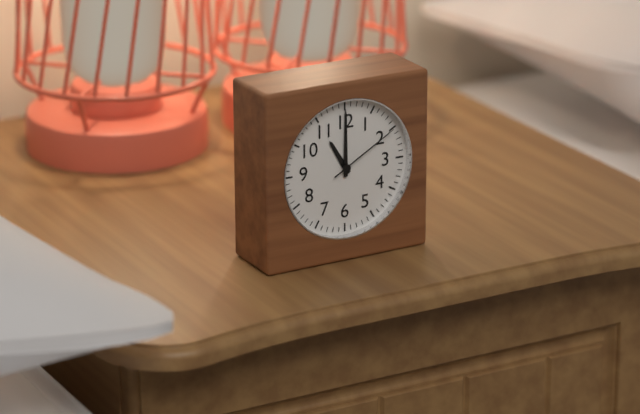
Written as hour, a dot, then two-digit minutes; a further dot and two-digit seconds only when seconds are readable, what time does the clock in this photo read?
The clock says 11.00.10
